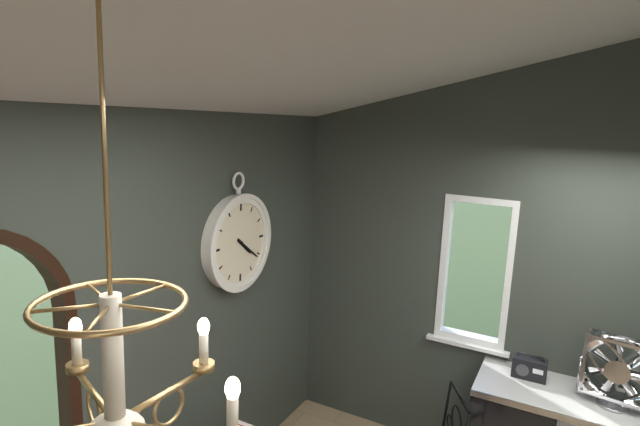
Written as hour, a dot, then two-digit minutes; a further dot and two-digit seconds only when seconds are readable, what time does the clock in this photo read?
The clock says 4.21
